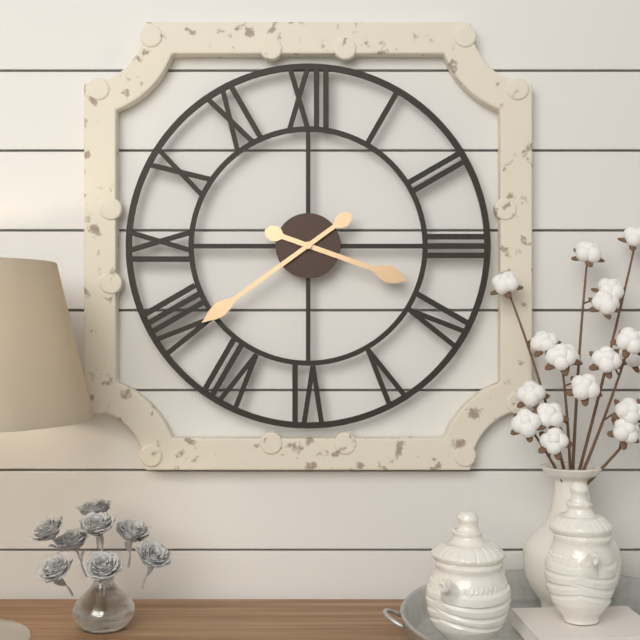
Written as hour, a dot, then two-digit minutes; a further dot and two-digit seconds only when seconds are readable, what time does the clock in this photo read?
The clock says 3.39
